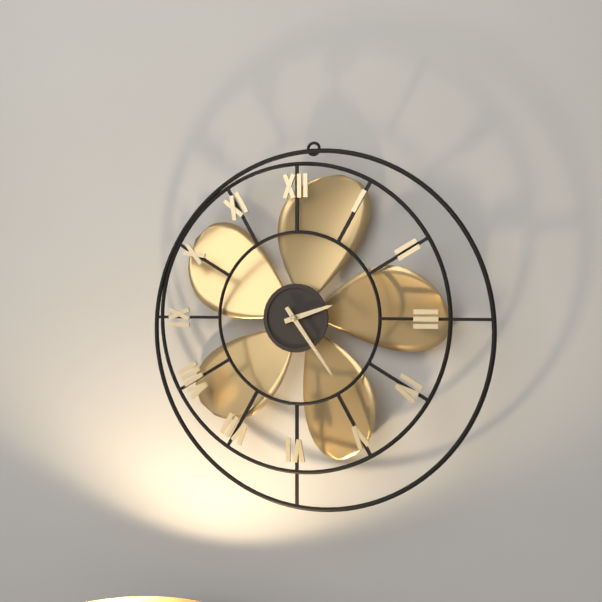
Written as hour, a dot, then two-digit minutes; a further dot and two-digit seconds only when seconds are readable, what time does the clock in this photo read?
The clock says 2.24
